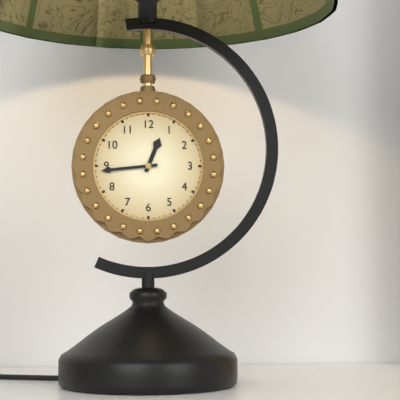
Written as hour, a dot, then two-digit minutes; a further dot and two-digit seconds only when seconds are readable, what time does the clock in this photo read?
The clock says 12.44
